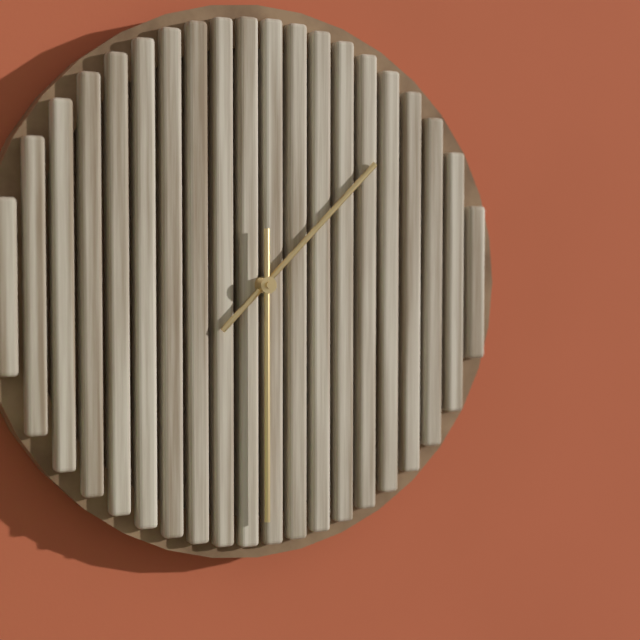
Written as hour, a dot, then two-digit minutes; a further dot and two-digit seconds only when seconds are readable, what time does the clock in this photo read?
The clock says 1.30
